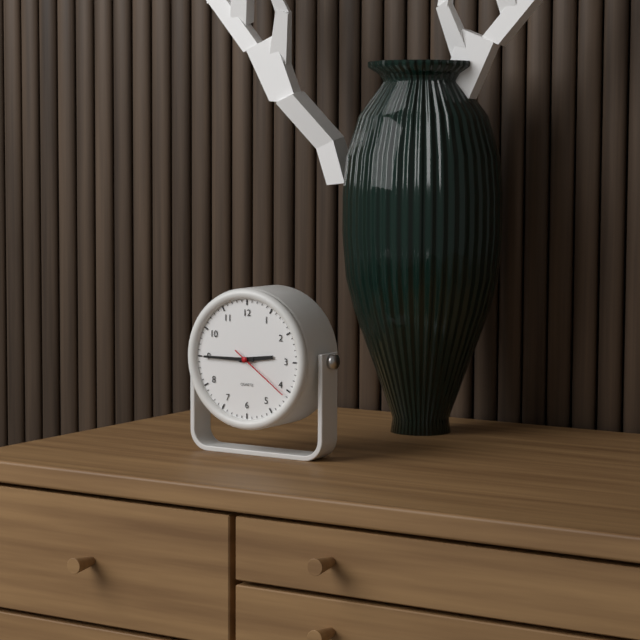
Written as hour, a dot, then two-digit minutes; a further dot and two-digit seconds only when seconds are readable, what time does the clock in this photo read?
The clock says 2.45.21
